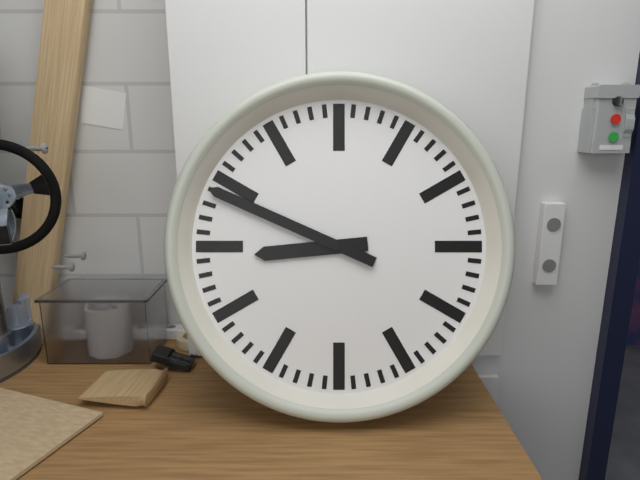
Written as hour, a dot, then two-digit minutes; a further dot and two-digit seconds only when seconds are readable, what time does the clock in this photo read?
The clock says 8.49
